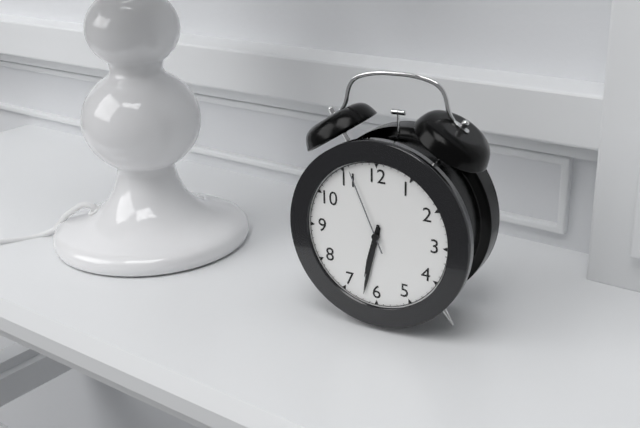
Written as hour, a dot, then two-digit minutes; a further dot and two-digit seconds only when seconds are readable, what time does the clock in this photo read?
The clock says 6.32.56
